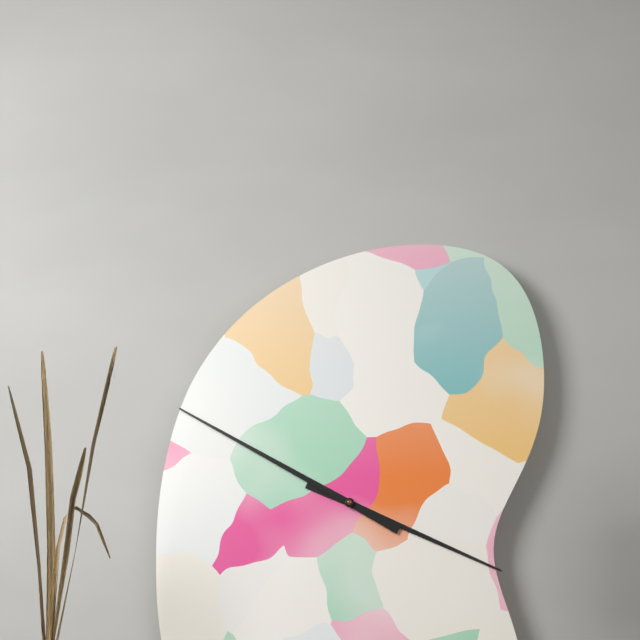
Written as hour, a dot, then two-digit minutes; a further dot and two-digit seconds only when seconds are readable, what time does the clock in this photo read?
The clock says 3.50
